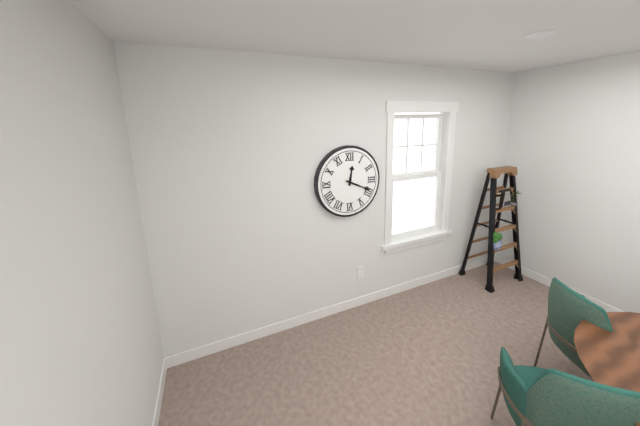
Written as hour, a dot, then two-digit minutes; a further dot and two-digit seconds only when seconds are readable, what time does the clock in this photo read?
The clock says 12.19
